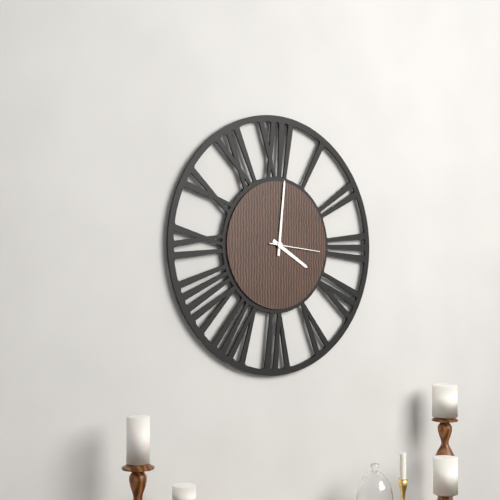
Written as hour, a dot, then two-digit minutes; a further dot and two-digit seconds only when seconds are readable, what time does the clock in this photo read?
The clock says 4.01.16
